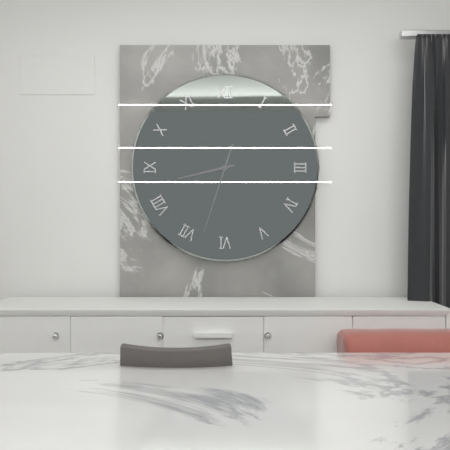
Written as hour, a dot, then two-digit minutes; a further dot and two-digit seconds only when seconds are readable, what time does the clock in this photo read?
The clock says 8.33
